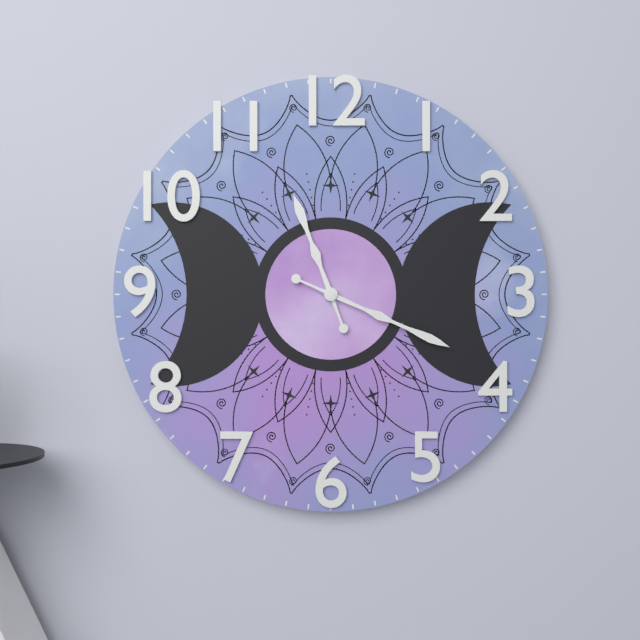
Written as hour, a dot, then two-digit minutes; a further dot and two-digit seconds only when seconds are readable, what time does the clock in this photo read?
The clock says 11.19
